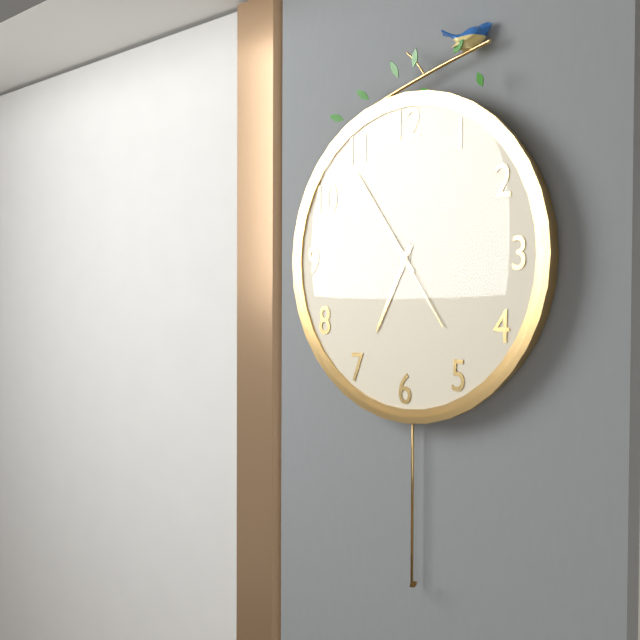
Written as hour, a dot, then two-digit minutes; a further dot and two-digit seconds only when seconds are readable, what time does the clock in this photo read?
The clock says 6.54.24
